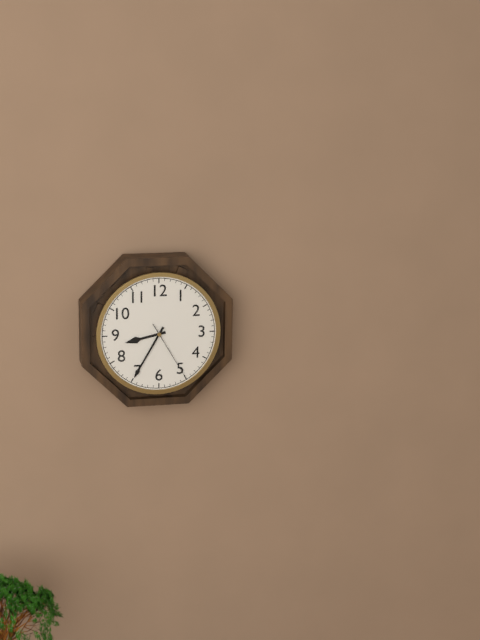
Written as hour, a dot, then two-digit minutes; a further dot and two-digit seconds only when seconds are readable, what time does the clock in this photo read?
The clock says 8.35.25
